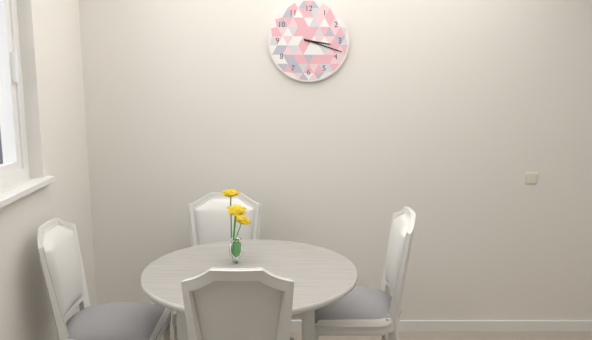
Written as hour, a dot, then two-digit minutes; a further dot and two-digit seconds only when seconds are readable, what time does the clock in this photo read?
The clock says 3.18
